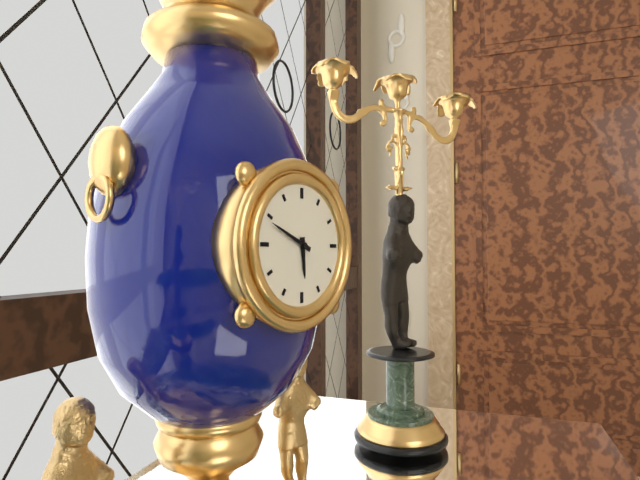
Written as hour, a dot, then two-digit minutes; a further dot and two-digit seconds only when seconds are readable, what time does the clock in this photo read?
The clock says 5.49
